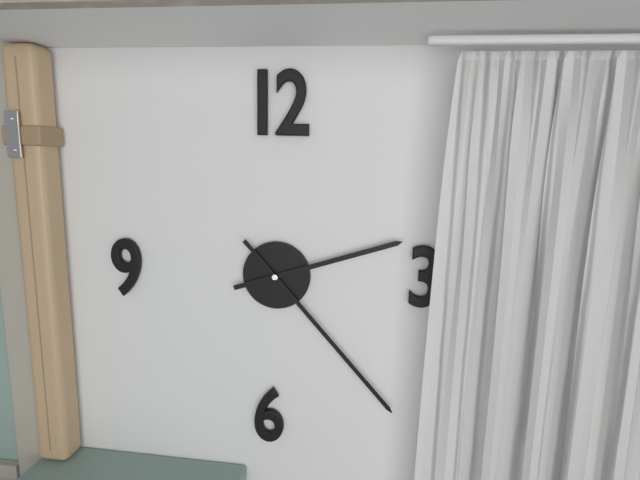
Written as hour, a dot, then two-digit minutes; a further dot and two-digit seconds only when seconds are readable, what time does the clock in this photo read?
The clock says 2.23
